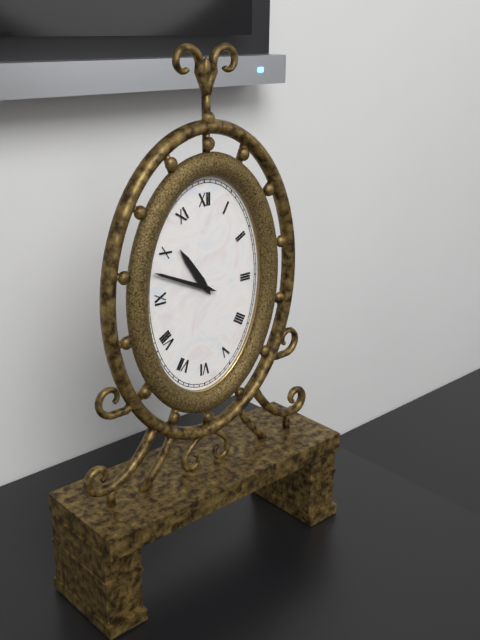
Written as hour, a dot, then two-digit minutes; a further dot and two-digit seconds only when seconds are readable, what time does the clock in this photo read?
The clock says 10.49
